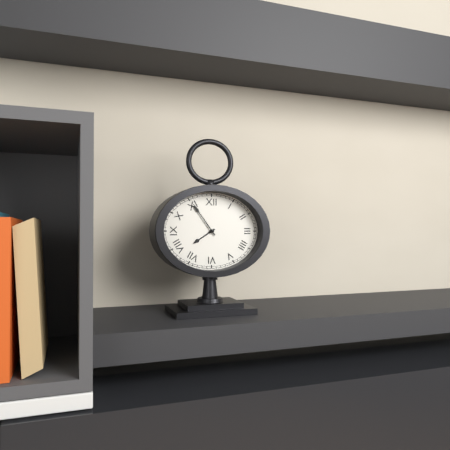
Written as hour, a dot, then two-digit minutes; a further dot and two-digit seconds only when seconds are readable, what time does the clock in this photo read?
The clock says 7.54
